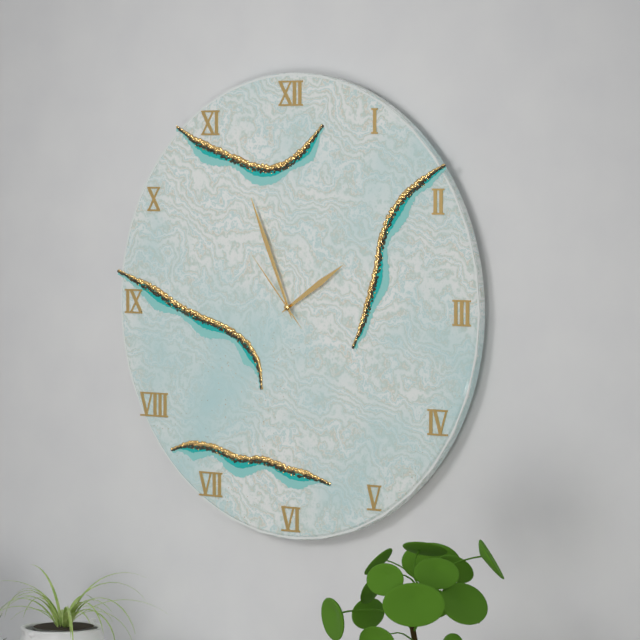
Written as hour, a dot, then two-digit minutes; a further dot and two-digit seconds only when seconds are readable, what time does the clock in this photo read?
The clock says 1.56.53
